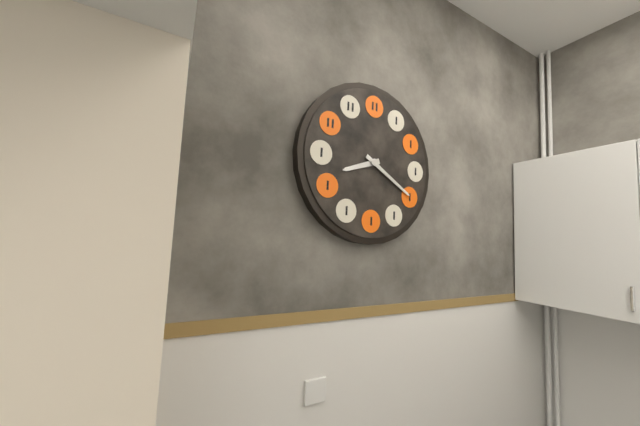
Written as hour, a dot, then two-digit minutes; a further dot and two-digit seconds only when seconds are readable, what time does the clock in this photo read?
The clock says 8.20
